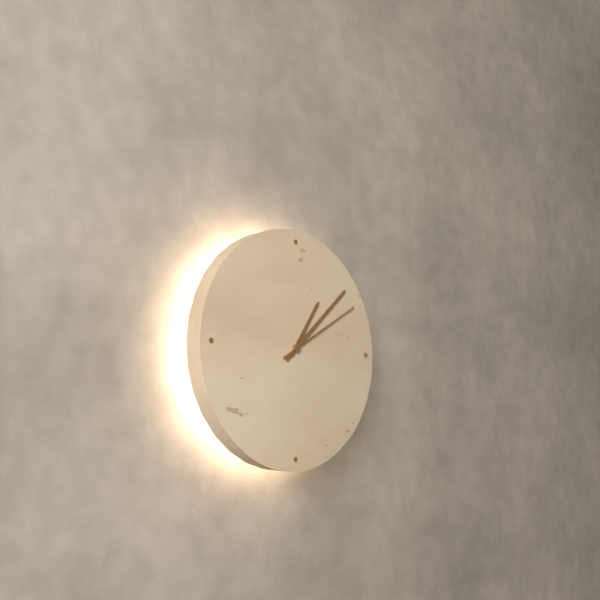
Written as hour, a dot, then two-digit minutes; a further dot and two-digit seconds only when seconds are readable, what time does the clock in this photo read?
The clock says 1.08.10
